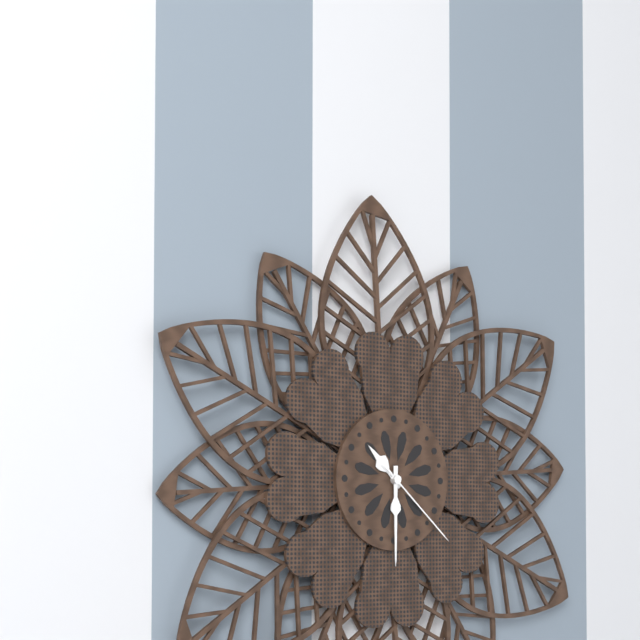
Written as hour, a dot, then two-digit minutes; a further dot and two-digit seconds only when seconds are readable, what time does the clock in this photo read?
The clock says 10.30.22
